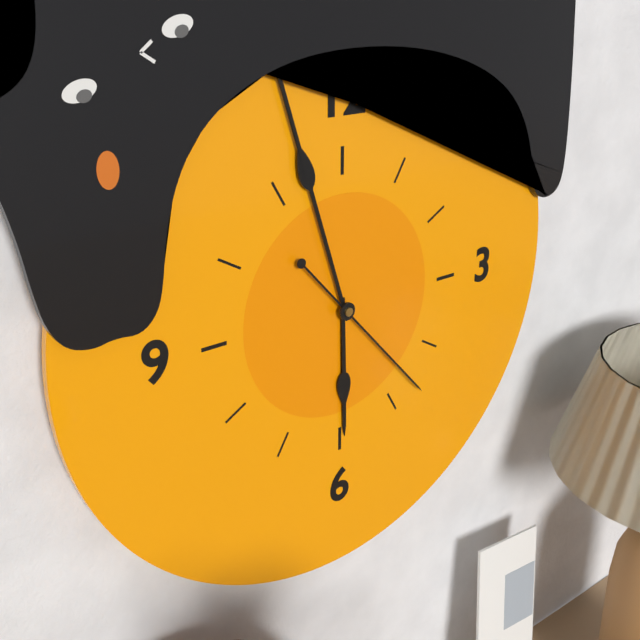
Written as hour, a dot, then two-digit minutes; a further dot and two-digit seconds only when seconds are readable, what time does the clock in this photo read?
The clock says 5.57.23
